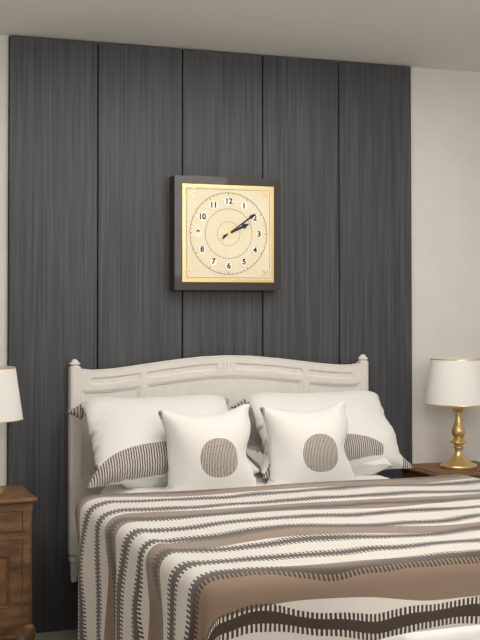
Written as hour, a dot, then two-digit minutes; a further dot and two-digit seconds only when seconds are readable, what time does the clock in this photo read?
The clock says 2.09
